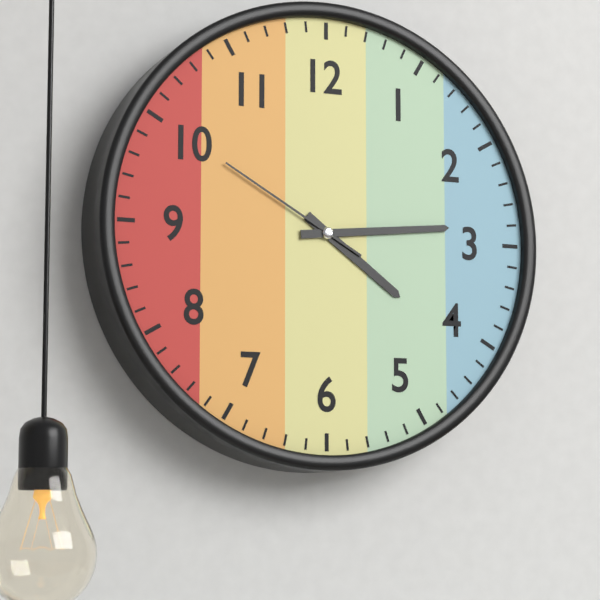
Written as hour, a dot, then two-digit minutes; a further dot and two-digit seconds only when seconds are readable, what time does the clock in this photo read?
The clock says 4.14.50
